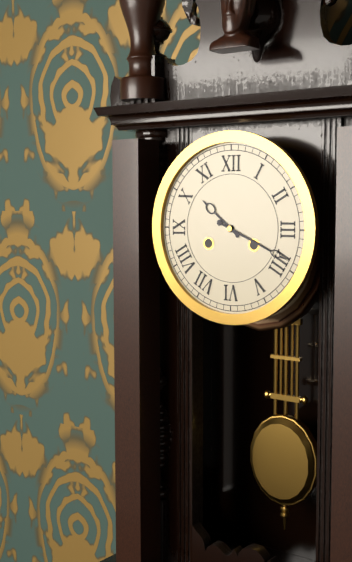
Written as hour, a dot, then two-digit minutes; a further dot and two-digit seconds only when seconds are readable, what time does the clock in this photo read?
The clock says 10.19
